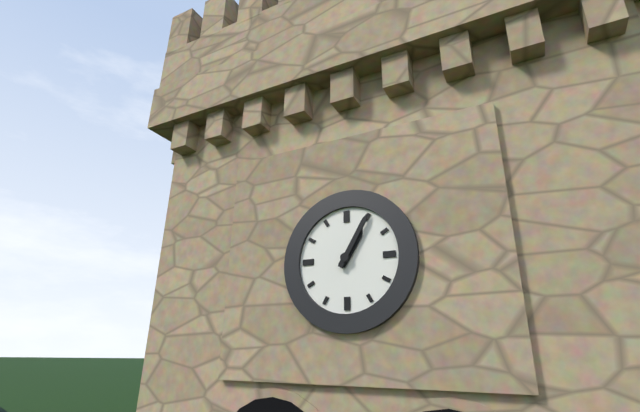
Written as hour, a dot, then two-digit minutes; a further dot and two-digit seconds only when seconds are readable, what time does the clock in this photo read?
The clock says 1.05
